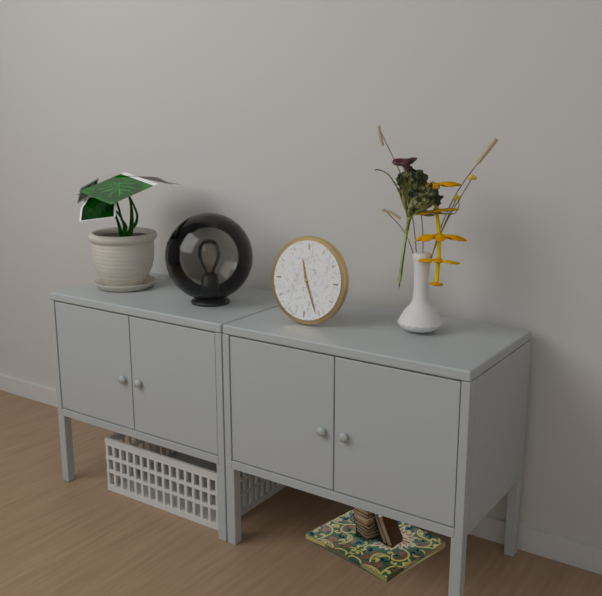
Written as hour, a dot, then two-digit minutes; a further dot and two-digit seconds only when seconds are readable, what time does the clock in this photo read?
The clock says 11.26
